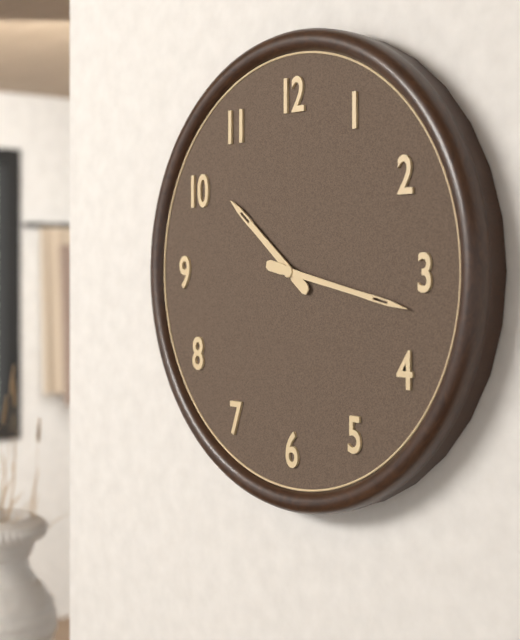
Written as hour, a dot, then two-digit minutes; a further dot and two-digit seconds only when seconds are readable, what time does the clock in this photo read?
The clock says 10.17
